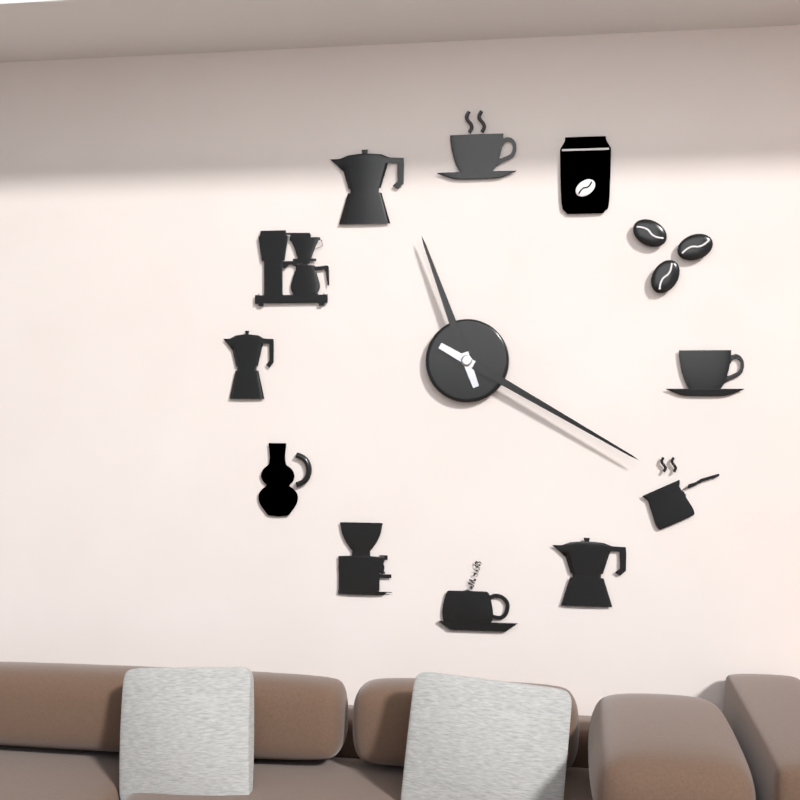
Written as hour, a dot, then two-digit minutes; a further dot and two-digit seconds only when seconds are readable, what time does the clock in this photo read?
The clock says 11.20
